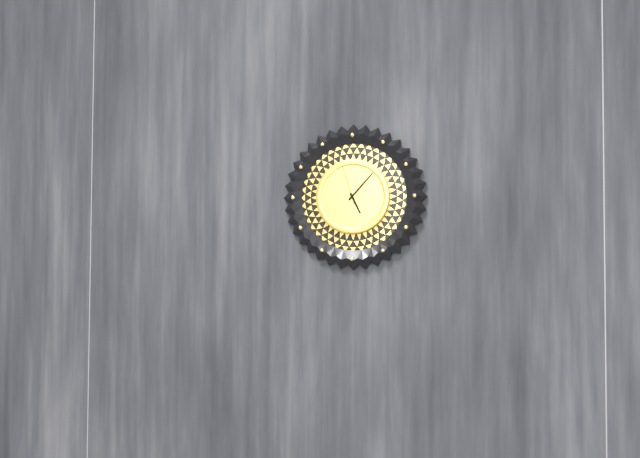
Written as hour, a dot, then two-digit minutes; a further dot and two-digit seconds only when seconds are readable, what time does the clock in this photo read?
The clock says 5.07
